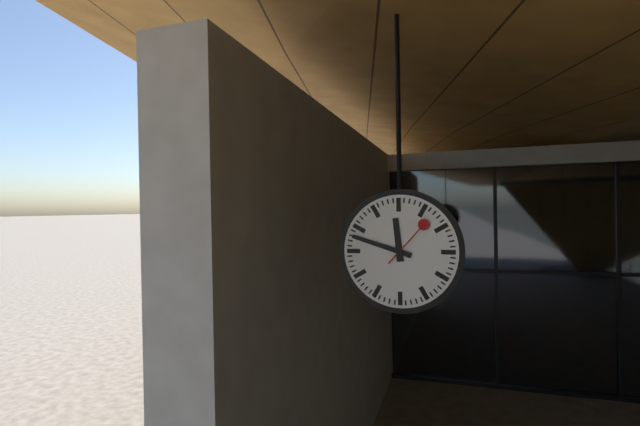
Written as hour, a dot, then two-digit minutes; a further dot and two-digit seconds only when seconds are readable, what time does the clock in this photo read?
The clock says 11.48.07
